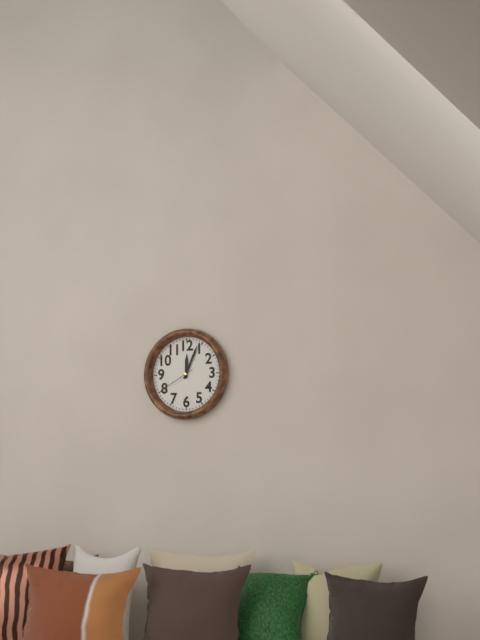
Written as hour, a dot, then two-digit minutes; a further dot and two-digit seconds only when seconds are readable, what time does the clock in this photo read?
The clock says 12.04
